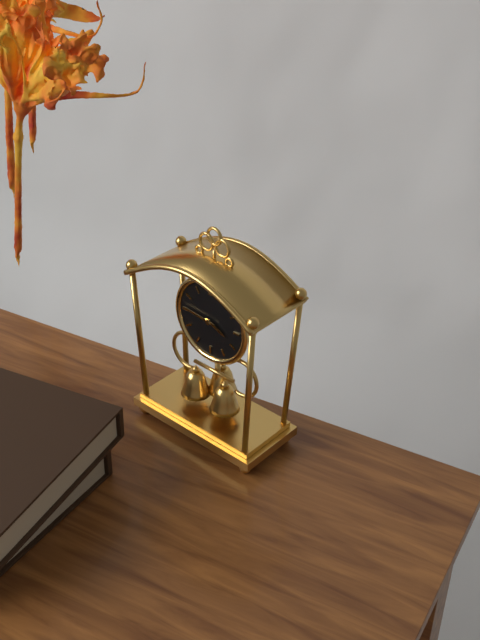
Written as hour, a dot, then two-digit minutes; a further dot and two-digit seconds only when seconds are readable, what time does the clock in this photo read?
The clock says 3.46
